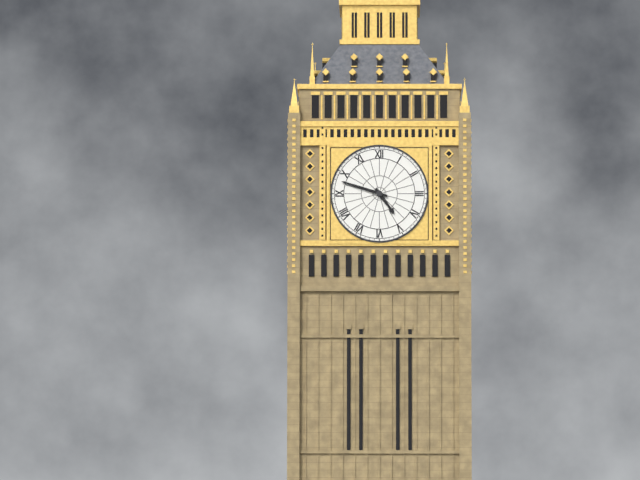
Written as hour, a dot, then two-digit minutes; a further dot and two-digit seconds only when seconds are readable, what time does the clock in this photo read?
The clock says 4.48
